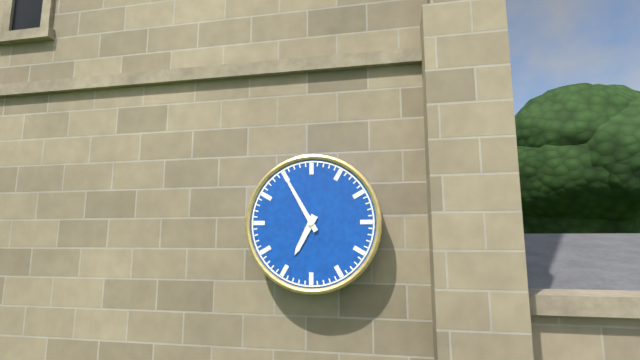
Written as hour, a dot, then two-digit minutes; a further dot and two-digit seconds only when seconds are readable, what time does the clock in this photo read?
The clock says 6.55
